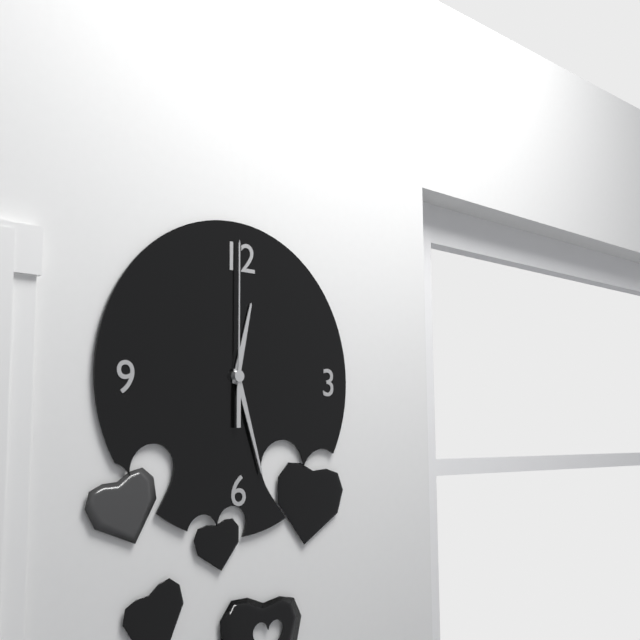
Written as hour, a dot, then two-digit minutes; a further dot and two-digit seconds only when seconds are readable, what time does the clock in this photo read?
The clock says 12.27.00
